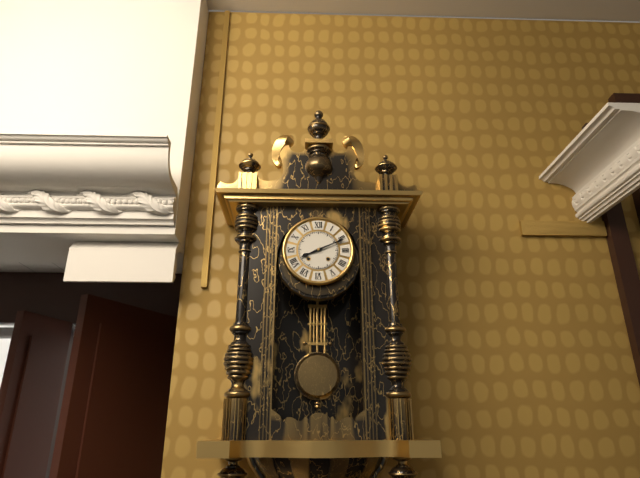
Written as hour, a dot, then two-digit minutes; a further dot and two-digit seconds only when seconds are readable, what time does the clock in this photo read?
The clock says 8.11
